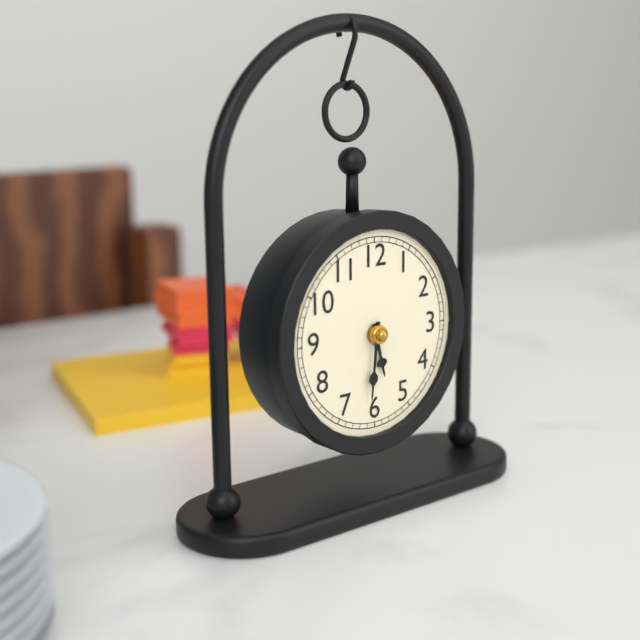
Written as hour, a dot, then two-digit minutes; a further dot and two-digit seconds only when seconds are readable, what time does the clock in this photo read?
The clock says 5.31
